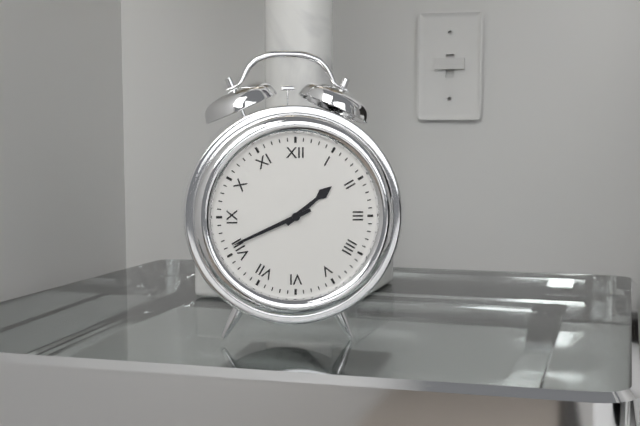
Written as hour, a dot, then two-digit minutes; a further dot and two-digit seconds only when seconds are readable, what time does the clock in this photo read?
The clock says 1.41
